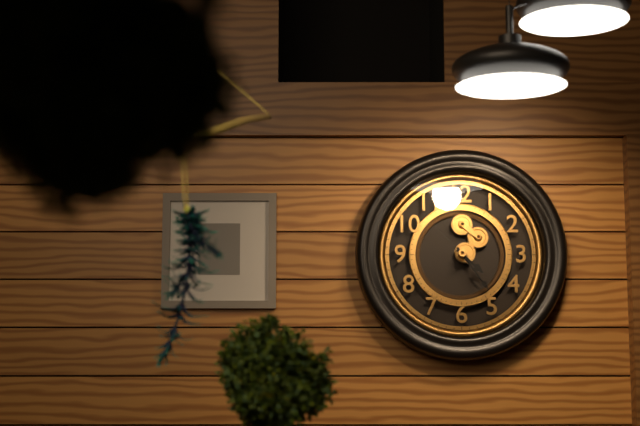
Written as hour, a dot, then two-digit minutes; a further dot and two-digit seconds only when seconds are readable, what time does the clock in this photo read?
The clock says 4.24.53
